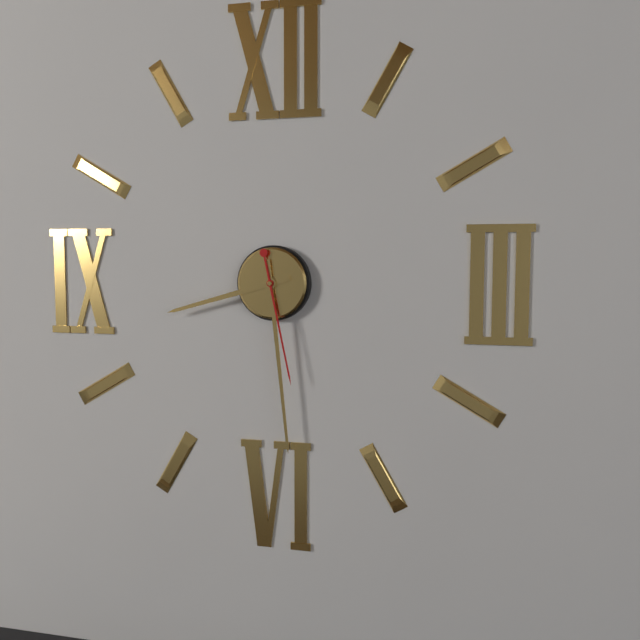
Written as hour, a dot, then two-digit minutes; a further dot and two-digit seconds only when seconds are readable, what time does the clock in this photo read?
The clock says 8.29.28
